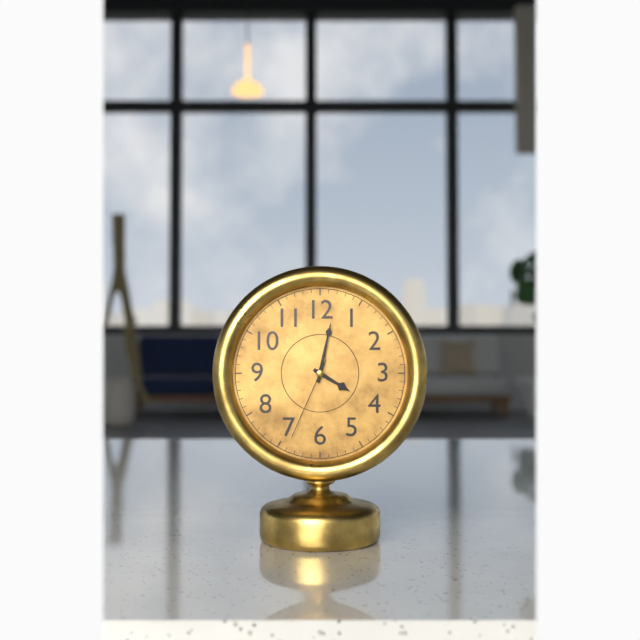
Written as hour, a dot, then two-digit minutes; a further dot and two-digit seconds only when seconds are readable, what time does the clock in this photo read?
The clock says 4.02.34
